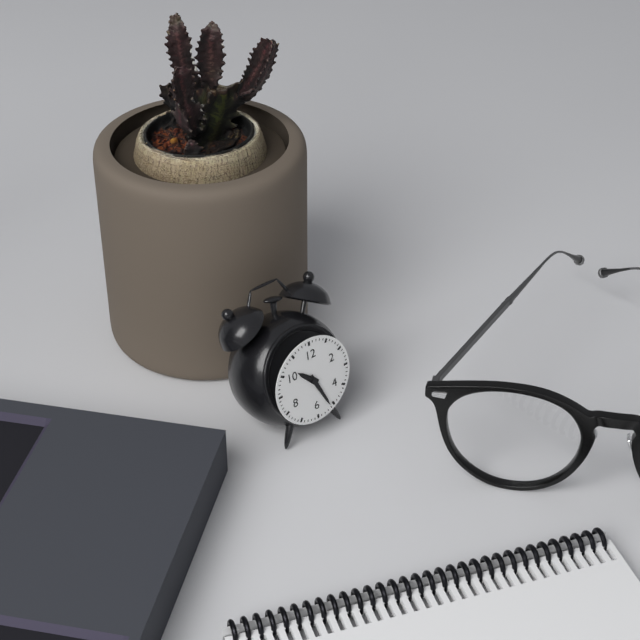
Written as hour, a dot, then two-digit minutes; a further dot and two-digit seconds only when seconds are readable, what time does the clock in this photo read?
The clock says 10.26
